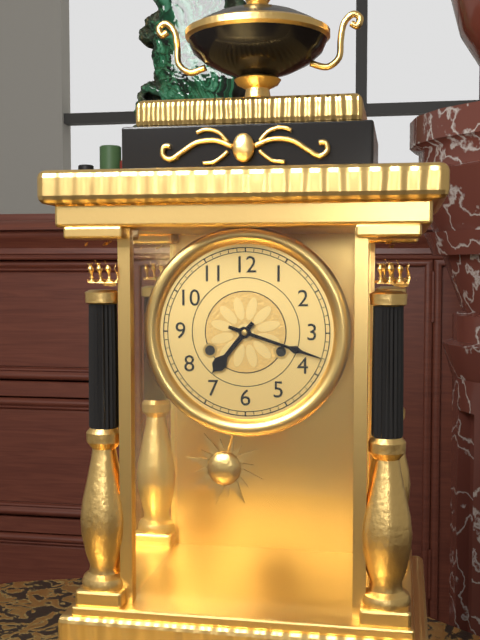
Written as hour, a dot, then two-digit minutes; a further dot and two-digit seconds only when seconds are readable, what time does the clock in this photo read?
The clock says 7.18
